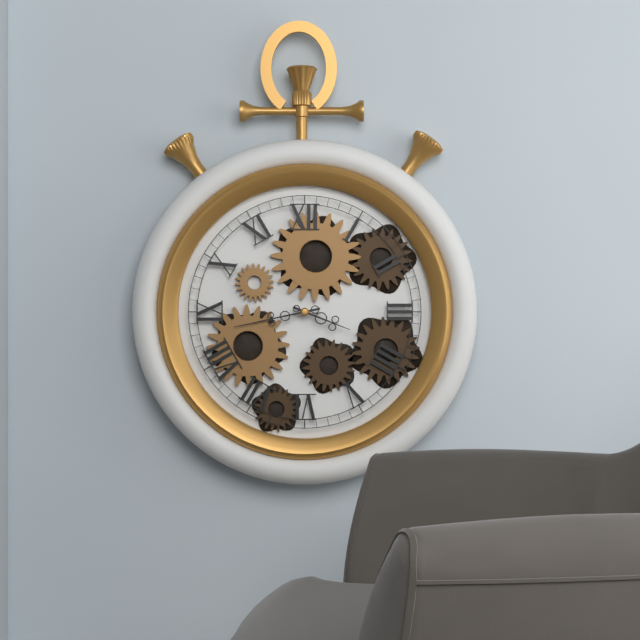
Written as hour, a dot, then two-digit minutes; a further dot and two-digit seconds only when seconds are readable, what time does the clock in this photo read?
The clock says 3.43
